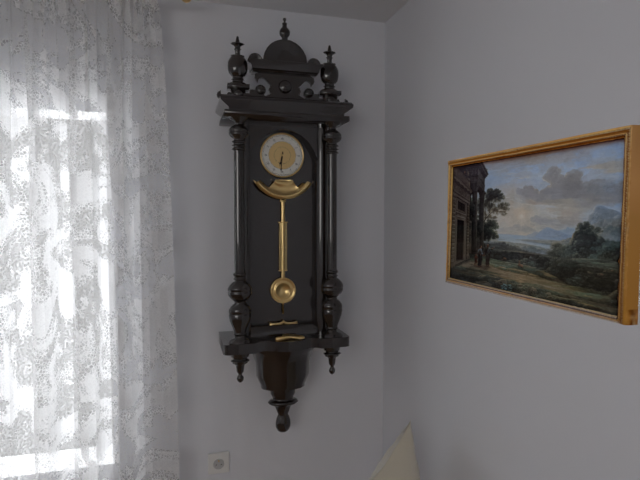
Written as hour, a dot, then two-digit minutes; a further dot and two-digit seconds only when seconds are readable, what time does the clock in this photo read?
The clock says 6.31
